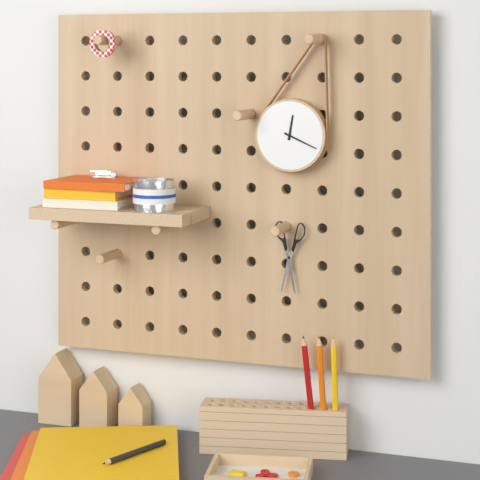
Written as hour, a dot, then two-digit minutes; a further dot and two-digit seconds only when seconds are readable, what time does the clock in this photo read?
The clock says 12.19
